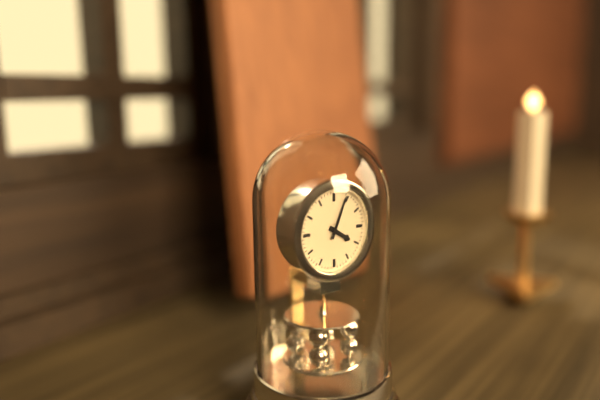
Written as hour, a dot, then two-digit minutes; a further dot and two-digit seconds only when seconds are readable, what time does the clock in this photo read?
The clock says 4.04
